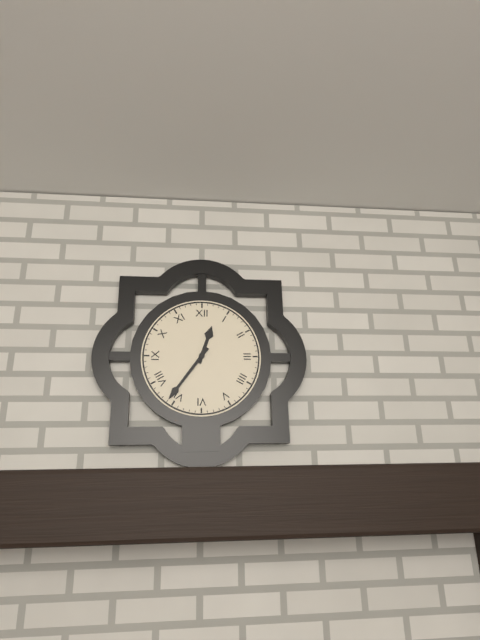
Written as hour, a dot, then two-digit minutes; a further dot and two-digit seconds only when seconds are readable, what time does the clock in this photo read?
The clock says 12.36
